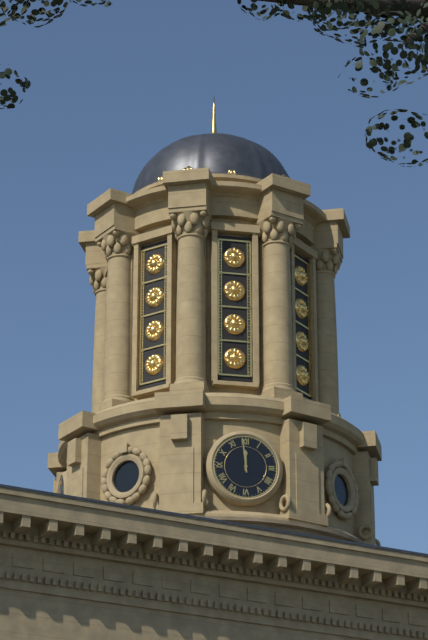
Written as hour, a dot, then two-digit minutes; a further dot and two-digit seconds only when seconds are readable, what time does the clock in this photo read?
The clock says 11.59
